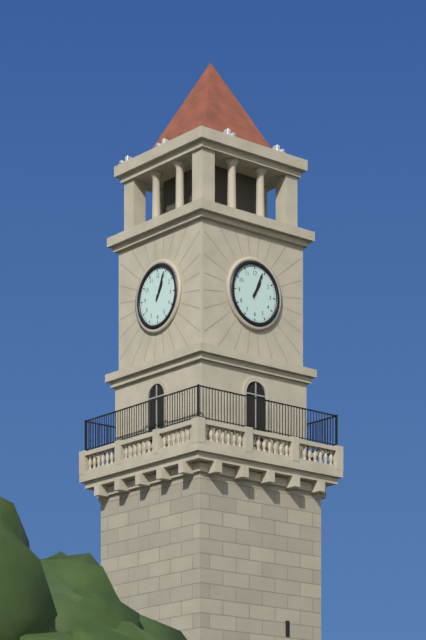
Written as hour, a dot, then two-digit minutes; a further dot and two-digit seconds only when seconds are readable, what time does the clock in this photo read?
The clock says 1.04
